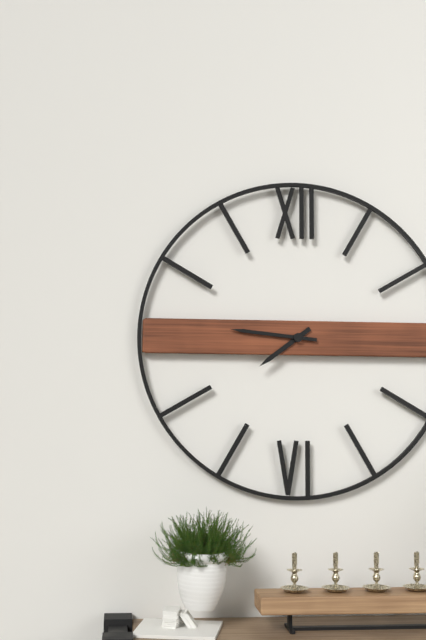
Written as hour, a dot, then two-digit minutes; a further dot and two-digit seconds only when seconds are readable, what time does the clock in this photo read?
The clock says 7.46
